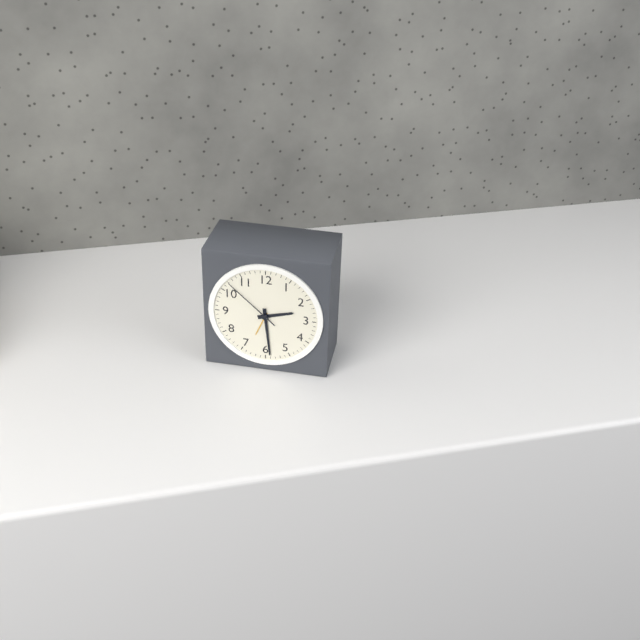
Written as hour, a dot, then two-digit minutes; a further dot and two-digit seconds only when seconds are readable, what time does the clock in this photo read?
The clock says 2.29.52
